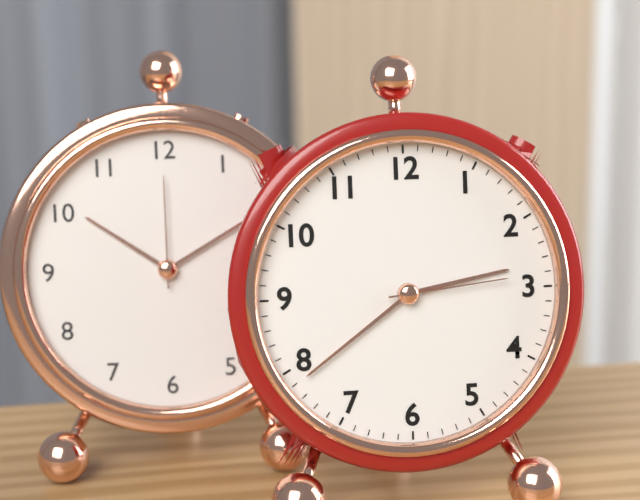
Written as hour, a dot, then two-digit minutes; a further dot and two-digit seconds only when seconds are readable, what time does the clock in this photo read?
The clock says 2.39.14
